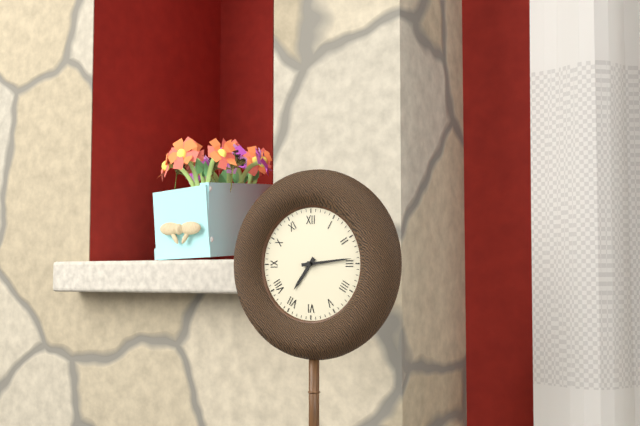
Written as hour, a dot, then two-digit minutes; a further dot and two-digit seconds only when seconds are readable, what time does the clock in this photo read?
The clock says 7.14
